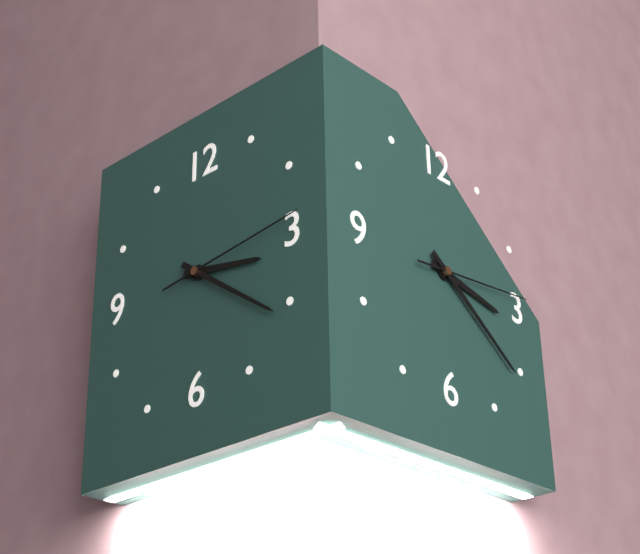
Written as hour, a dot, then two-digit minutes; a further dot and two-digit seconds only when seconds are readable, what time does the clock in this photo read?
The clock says 3.21.14
